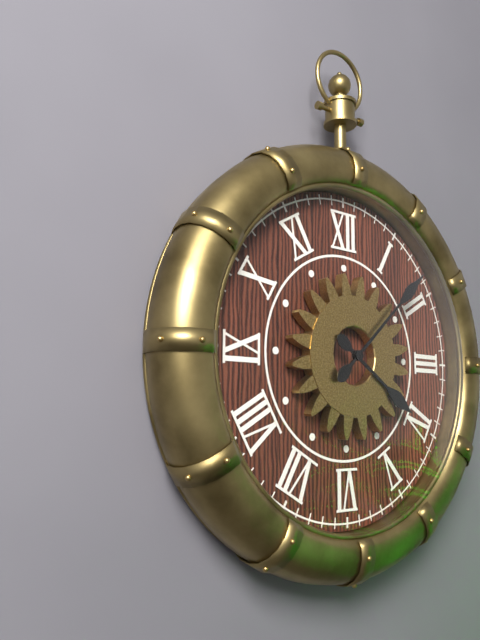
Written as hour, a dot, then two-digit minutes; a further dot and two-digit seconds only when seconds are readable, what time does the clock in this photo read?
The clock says 4.08
